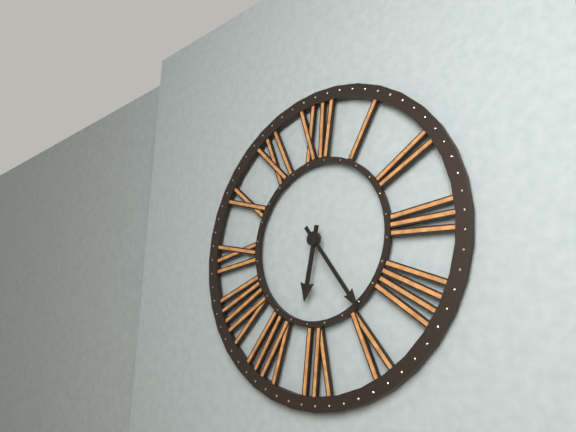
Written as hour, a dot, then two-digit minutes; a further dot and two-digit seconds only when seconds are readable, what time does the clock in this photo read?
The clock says 6.24
